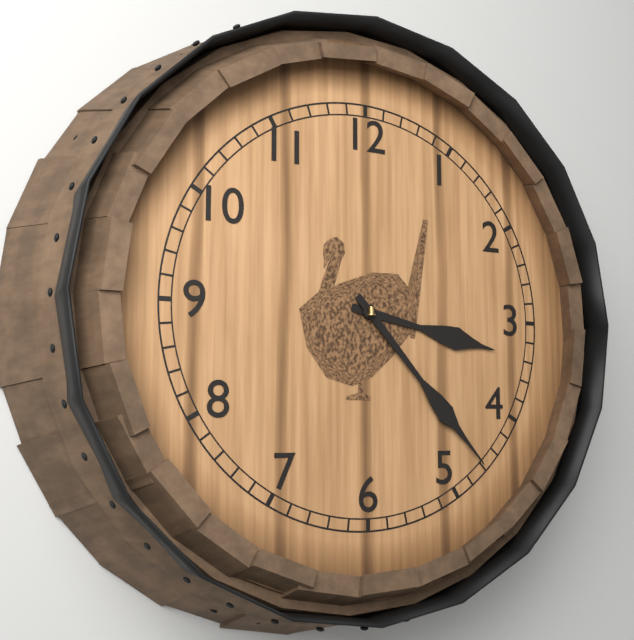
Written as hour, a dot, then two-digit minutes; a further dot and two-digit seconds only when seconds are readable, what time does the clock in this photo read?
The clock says 3.23
